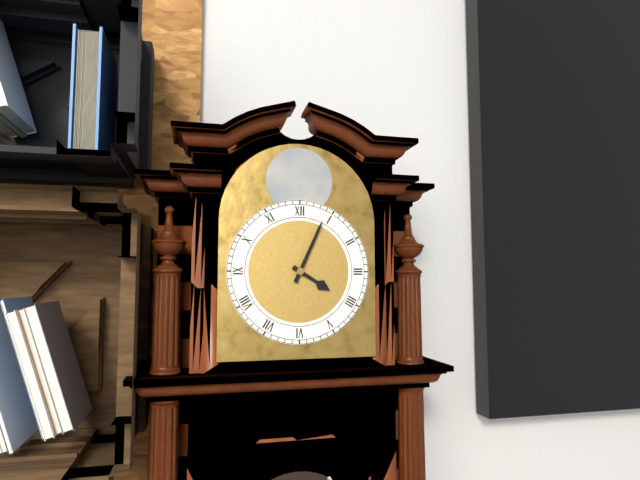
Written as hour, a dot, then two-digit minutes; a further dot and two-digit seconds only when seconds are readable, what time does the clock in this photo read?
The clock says 4.04
